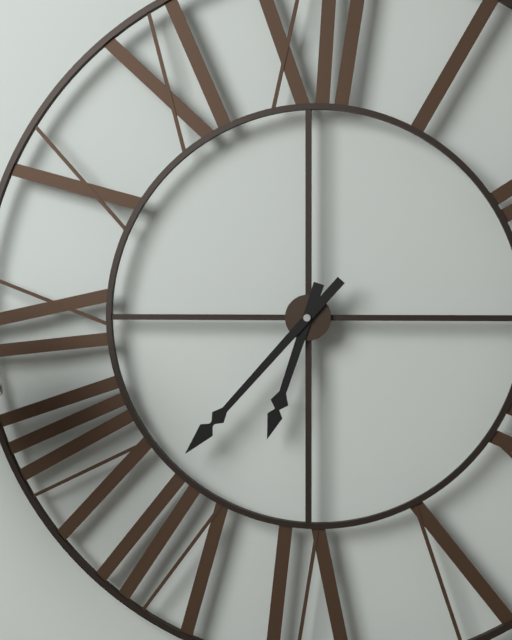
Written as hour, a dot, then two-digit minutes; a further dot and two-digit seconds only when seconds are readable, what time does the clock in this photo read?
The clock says 6.37
